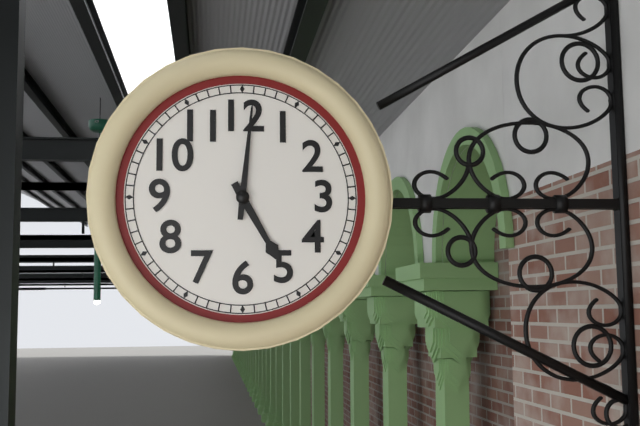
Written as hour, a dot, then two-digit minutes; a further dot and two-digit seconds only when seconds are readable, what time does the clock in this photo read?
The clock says 5.01
